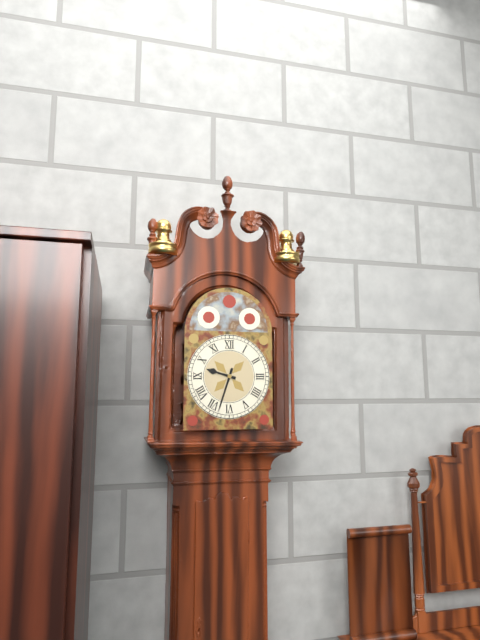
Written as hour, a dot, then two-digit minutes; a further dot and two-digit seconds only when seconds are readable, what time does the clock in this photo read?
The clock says 9.33
